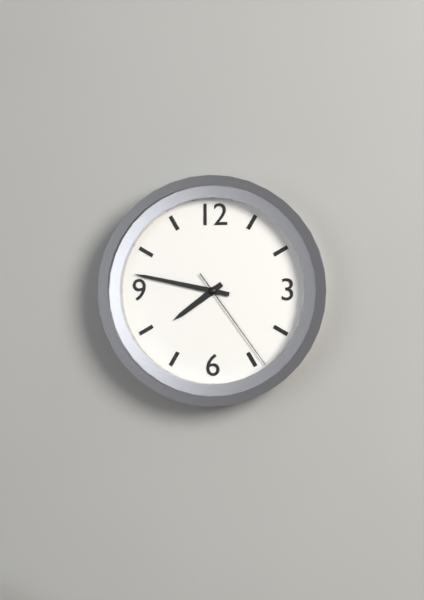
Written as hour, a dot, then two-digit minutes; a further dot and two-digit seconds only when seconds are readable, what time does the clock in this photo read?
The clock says 7.47.24
